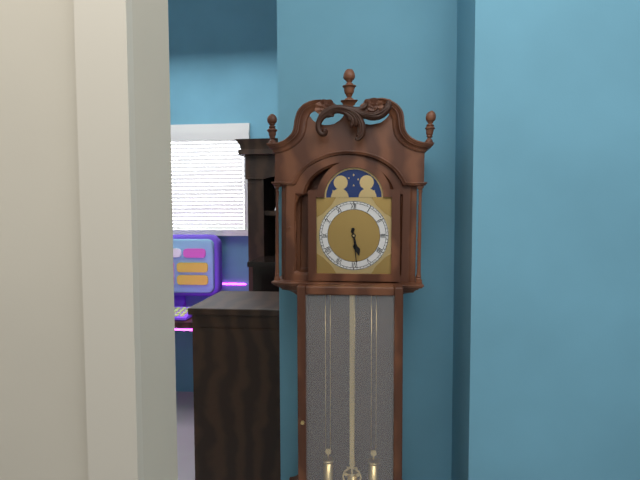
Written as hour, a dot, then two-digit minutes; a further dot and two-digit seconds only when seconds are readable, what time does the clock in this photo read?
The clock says 5.29
